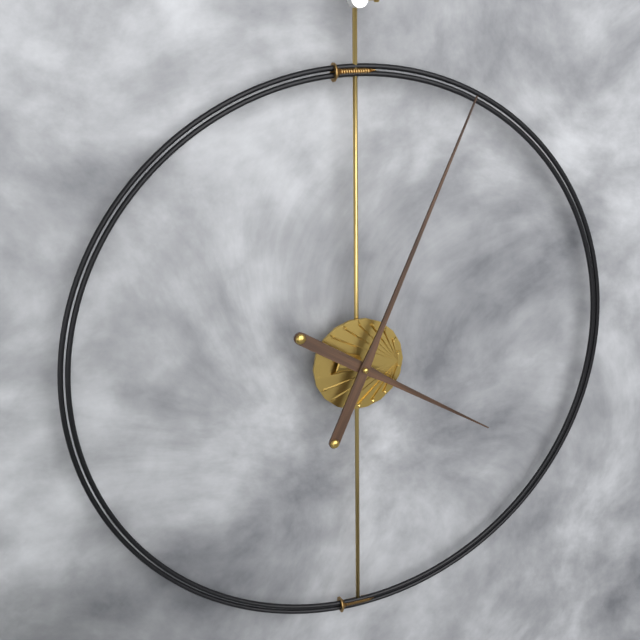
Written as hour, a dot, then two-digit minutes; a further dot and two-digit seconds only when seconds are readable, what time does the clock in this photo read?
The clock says 4.04
